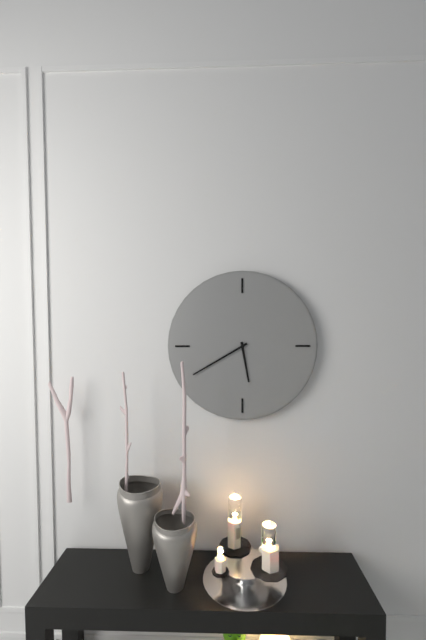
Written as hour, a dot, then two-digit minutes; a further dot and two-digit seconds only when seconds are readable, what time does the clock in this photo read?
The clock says 5.40
